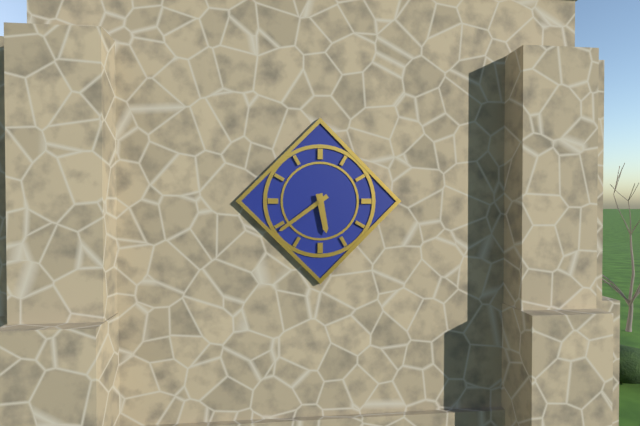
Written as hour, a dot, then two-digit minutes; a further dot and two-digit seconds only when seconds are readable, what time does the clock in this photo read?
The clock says 5.39
